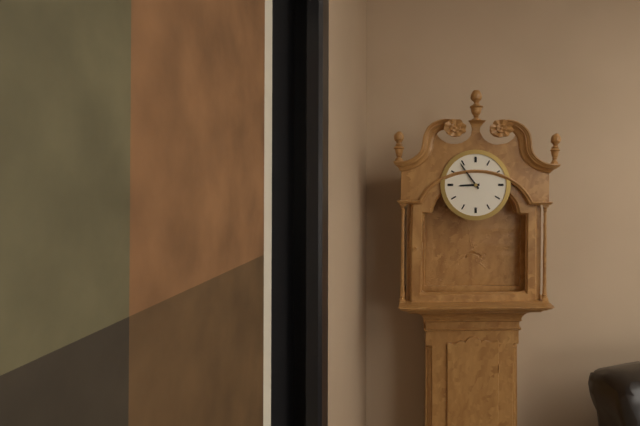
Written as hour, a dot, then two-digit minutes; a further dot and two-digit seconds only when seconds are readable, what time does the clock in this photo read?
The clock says 8.54
